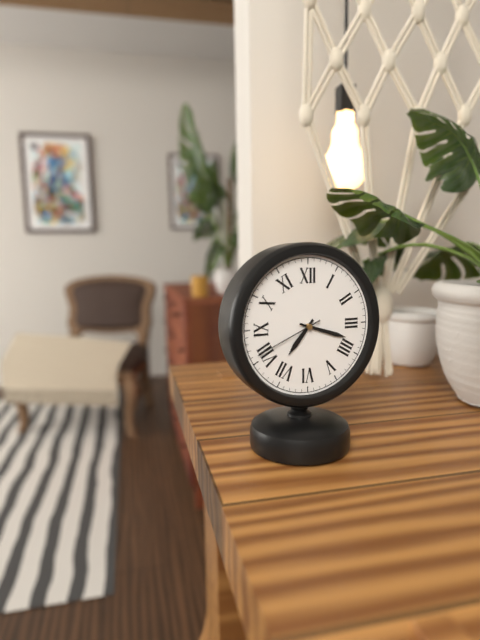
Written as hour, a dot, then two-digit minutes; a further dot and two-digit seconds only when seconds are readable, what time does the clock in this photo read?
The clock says 7.18.41
